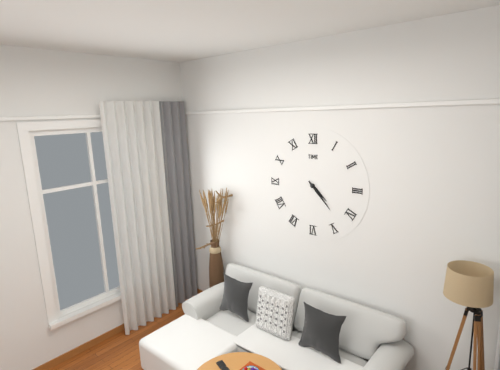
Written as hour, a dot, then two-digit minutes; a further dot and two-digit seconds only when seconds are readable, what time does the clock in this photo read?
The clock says 4.23
